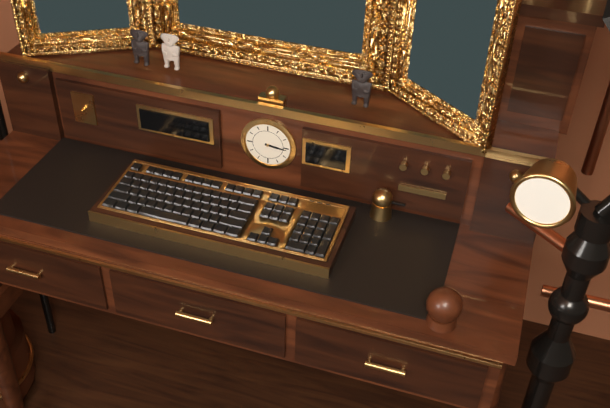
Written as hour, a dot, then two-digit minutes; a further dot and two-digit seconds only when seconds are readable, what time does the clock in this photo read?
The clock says 3.16
